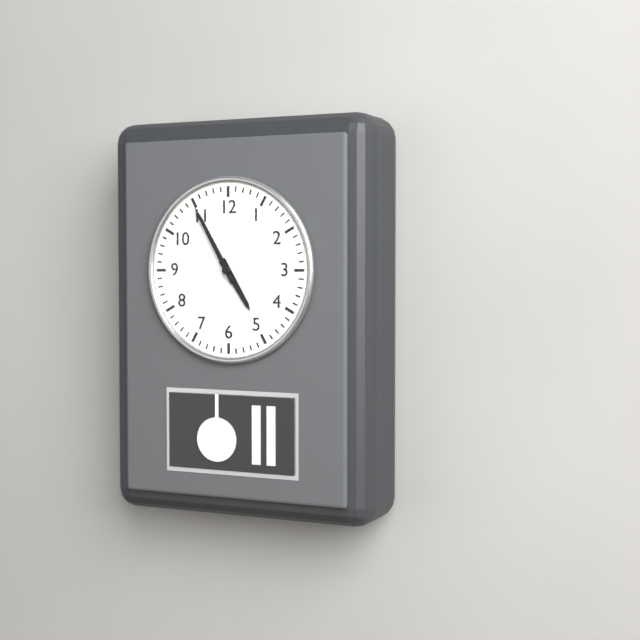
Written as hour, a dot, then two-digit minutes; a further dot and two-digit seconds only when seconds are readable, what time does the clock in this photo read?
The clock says 4.55
